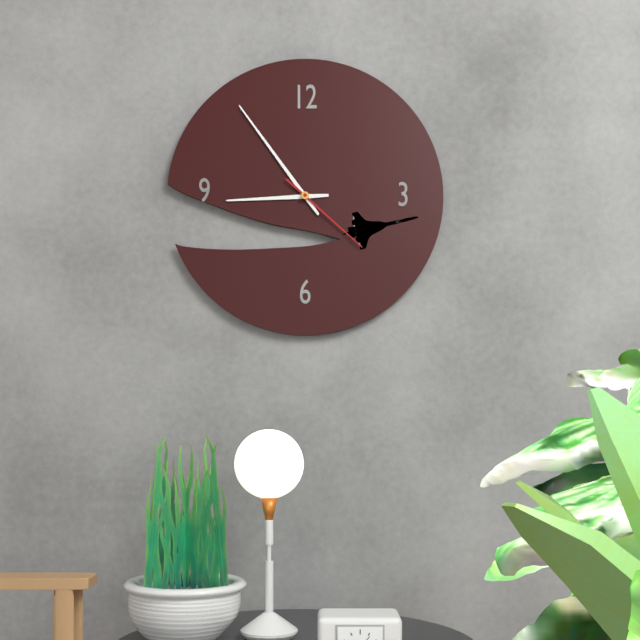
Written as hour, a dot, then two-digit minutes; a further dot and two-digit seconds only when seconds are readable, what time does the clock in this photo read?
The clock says 8.54.22
